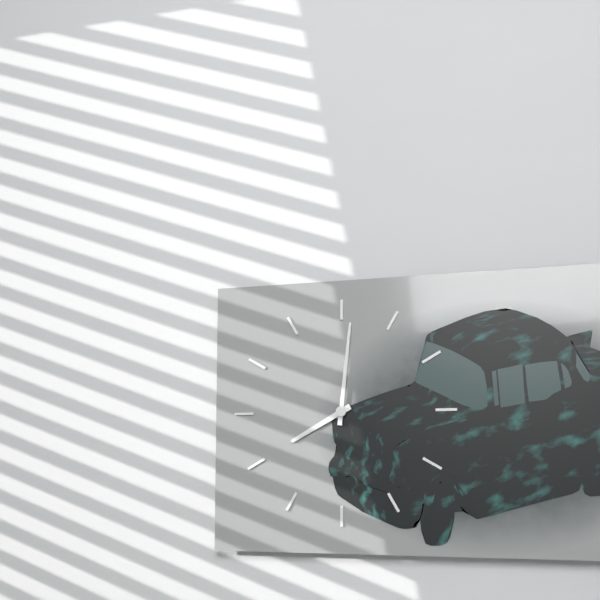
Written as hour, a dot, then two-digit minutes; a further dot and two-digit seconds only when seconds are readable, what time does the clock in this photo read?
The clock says 8.01
